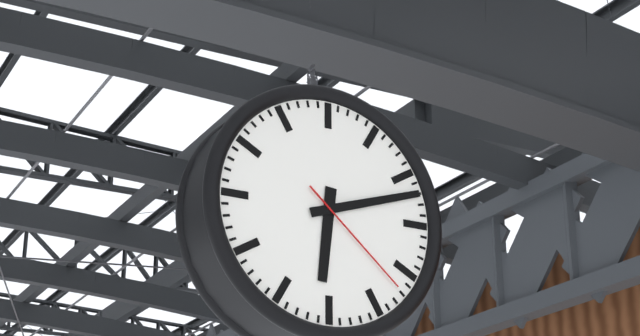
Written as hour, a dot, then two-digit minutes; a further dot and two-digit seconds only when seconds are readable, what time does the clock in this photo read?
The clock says 6.12.22
